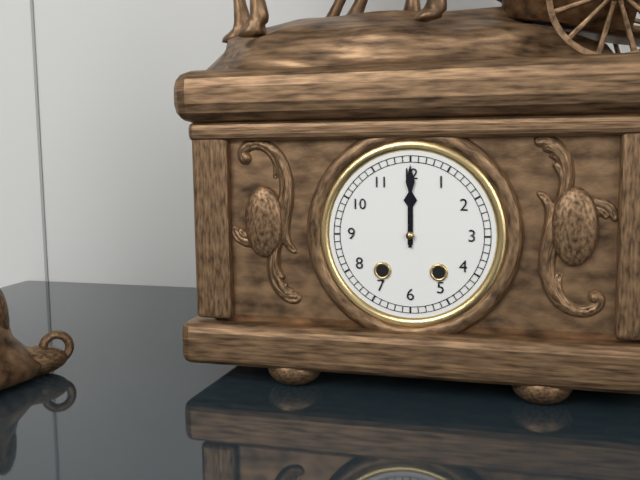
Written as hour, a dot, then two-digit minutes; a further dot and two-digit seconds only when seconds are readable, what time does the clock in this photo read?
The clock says 12.00
